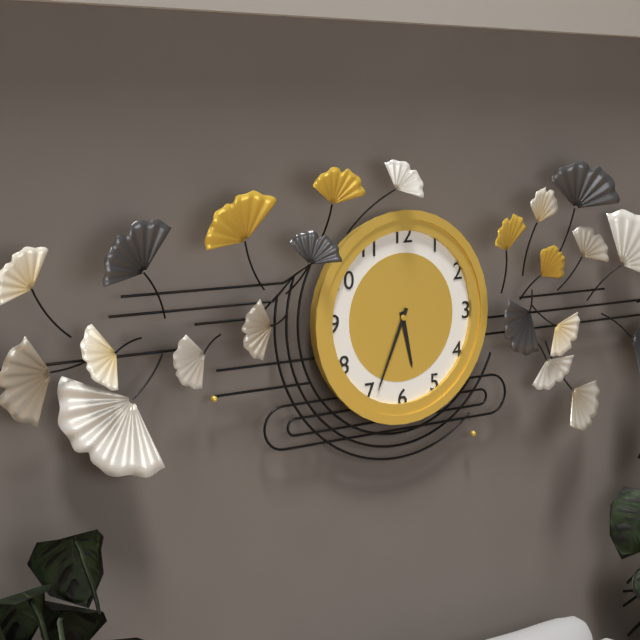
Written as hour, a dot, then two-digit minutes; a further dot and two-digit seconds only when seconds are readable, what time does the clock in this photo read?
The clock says 5.34
